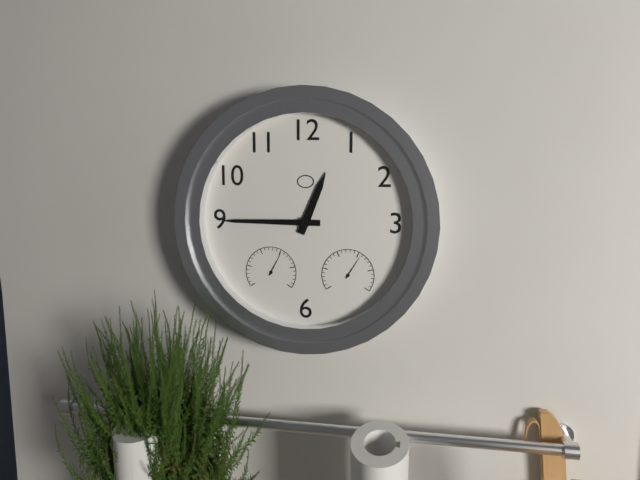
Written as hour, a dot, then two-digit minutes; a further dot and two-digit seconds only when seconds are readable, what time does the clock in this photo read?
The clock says 12.45
